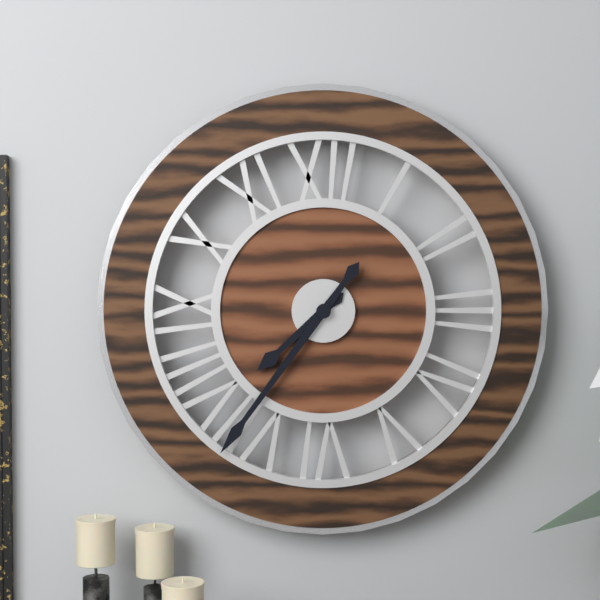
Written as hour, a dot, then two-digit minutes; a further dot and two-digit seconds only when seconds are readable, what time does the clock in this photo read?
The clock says 7.36
